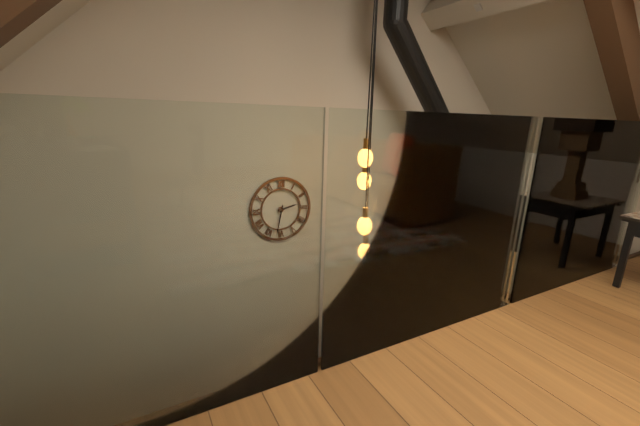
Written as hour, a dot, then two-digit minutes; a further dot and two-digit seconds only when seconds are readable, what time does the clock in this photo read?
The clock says 2.32
